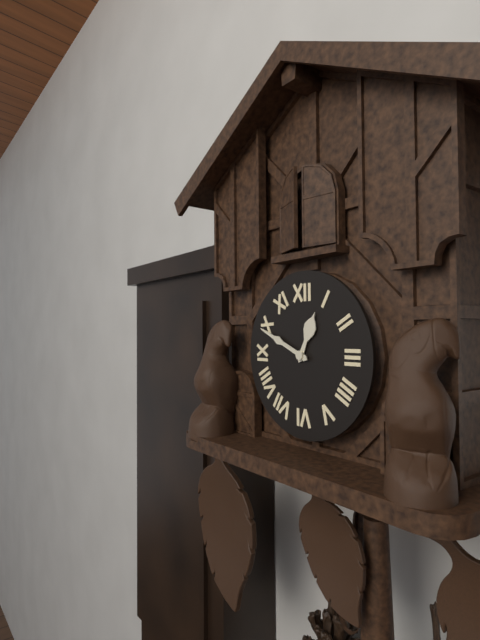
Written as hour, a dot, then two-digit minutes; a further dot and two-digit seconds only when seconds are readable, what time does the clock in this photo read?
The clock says 12.49
